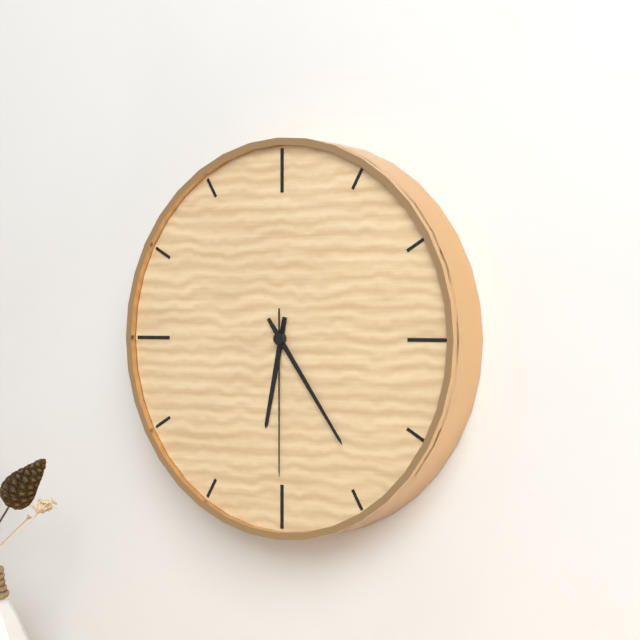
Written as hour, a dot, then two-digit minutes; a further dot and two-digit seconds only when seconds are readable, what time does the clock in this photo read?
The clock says 6.24.30
